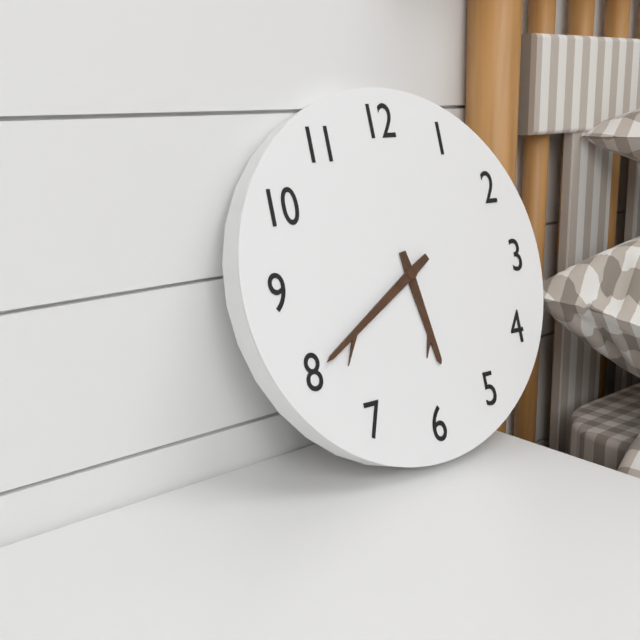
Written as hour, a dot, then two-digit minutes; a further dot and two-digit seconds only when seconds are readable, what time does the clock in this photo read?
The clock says 5.40
